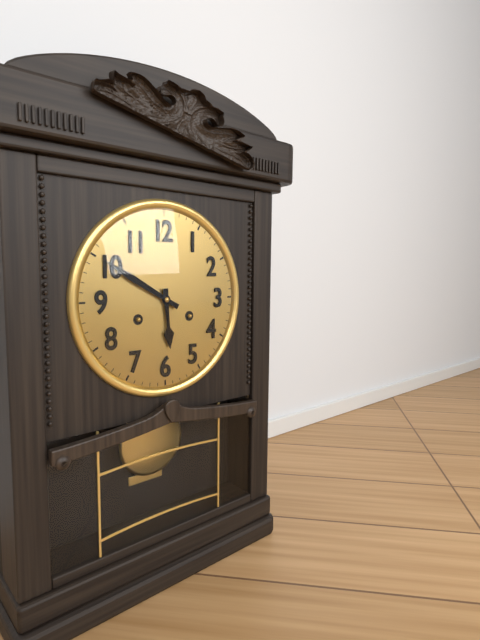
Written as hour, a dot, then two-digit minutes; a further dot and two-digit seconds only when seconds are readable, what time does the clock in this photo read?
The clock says 5.50
